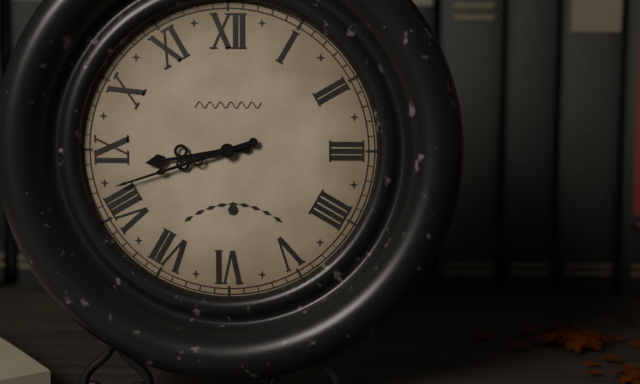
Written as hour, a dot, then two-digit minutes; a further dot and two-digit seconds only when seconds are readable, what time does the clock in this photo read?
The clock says 8.42
